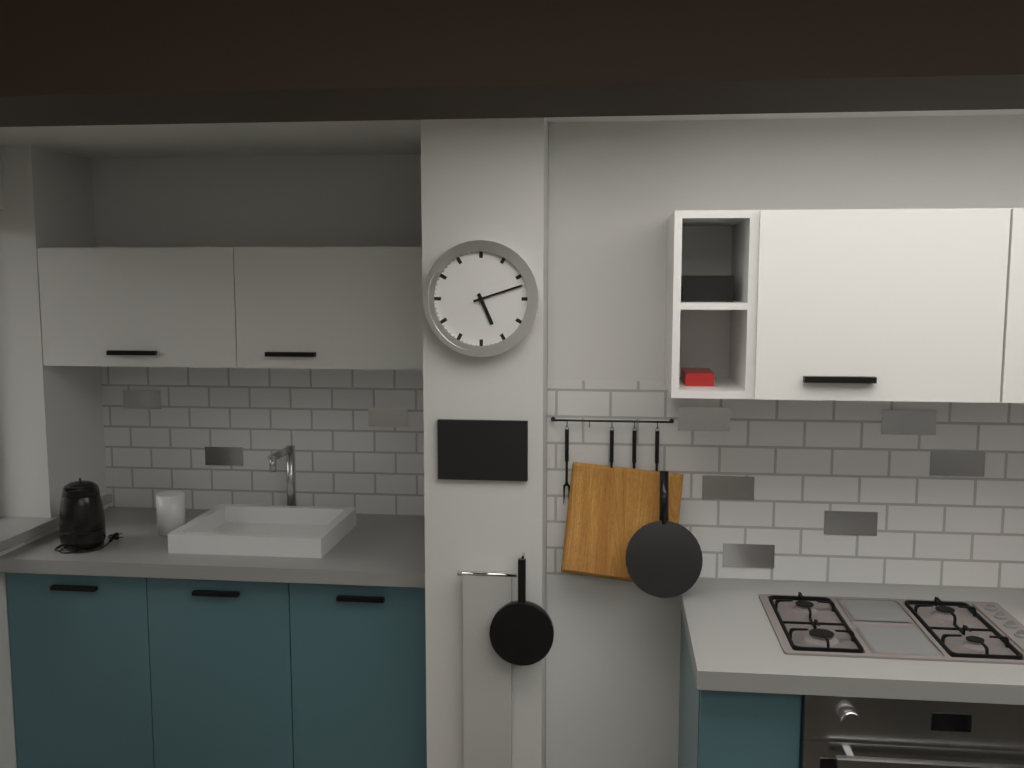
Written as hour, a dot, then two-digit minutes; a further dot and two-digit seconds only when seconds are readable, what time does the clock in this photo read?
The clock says 5.12
